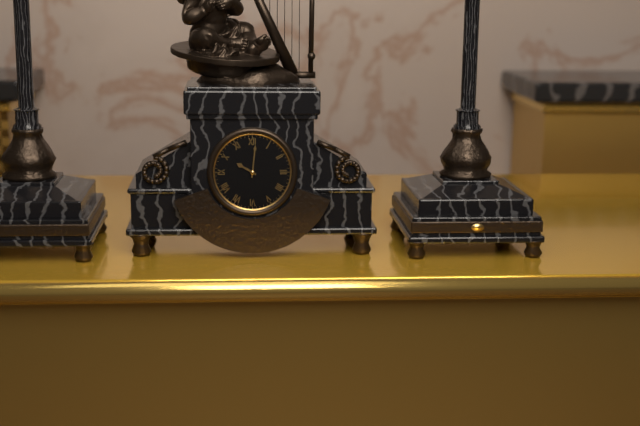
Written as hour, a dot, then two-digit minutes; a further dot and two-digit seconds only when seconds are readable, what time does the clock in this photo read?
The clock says 10.01
